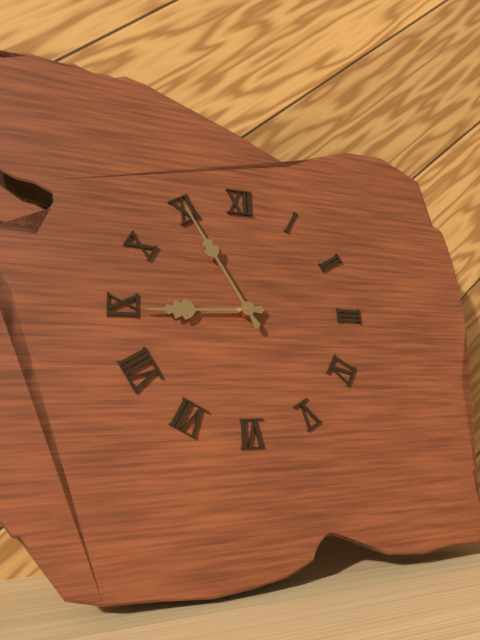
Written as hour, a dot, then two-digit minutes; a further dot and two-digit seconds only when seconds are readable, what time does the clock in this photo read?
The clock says 8.55
